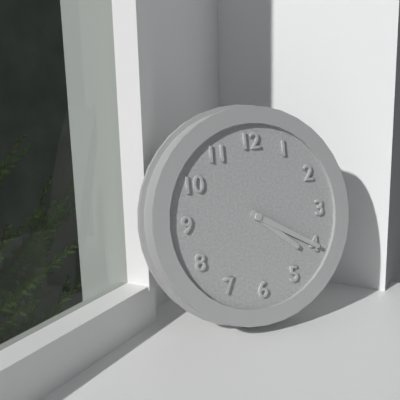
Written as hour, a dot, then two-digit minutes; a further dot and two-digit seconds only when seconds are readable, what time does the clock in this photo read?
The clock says 4.20
